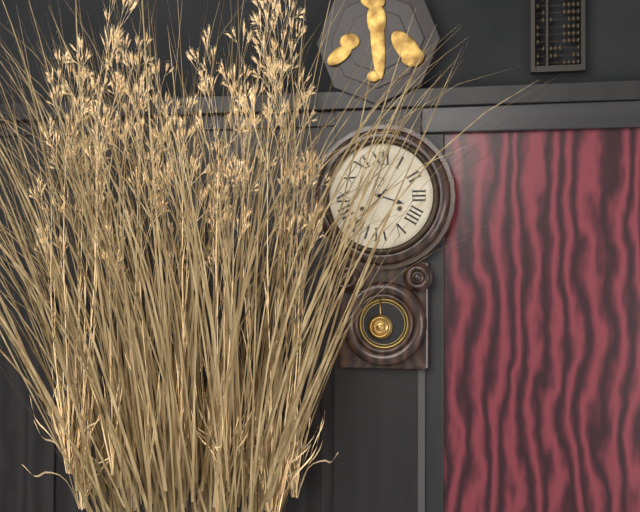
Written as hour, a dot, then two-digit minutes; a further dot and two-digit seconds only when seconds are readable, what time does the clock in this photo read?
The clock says 3.37
